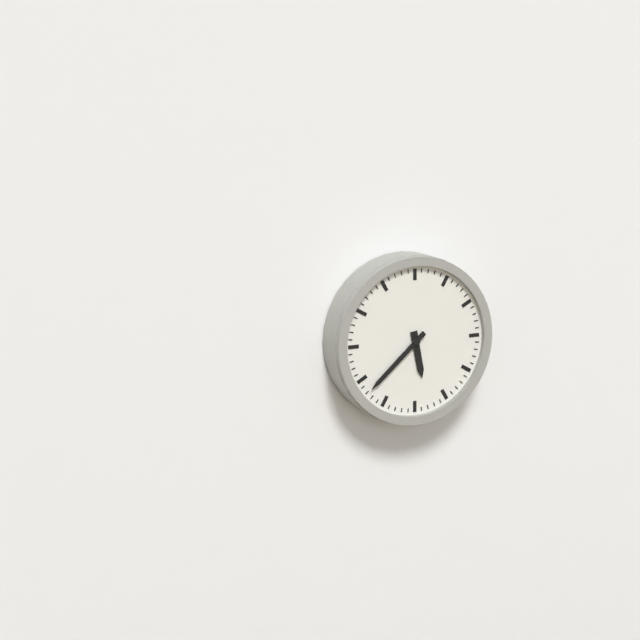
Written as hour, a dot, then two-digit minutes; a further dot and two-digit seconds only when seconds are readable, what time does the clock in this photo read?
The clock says 5.38
